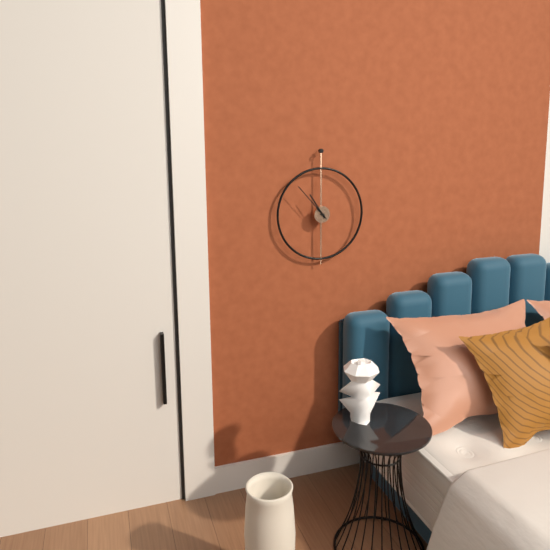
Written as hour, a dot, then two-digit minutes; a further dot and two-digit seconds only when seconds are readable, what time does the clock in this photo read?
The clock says 10.53
